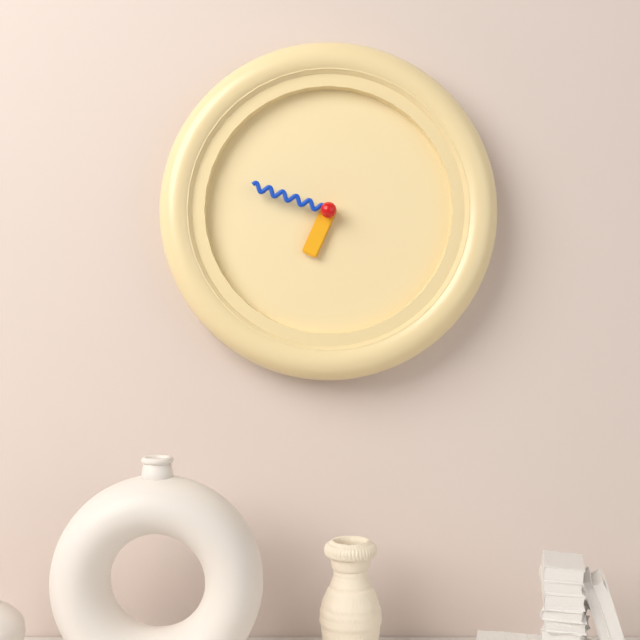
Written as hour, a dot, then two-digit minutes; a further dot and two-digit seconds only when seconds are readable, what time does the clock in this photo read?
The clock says 6.48
